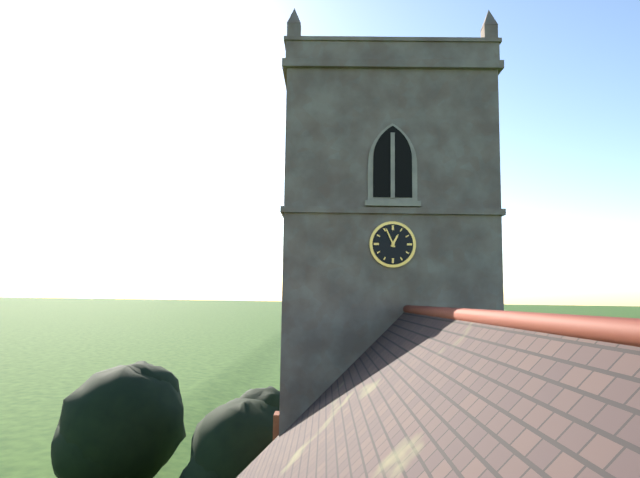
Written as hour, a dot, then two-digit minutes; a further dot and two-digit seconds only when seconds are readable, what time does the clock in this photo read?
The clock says 12.56
